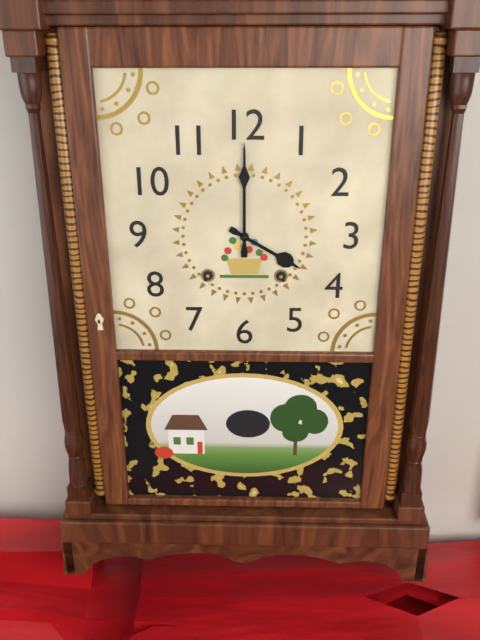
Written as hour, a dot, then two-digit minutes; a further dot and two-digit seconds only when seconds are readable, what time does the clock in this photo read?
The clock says 4.00
